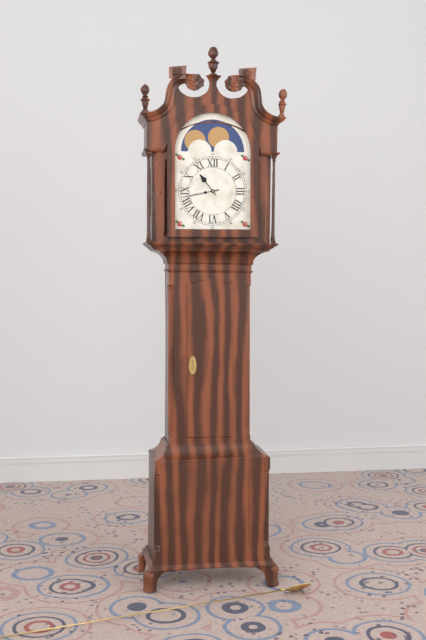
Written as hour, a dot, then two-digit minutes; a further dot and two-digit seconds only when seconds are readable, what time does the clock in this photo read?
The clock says 10.43
